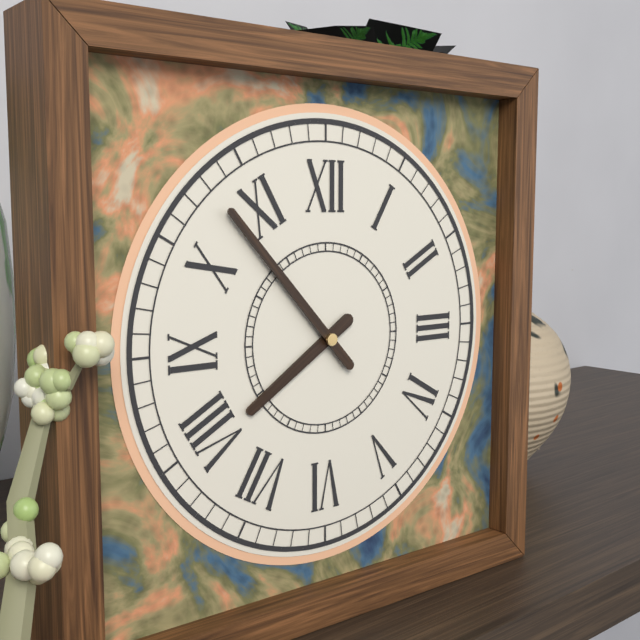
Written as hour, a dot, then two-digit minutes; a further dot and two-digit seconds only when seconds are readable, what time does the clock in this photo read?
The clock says 7.53
